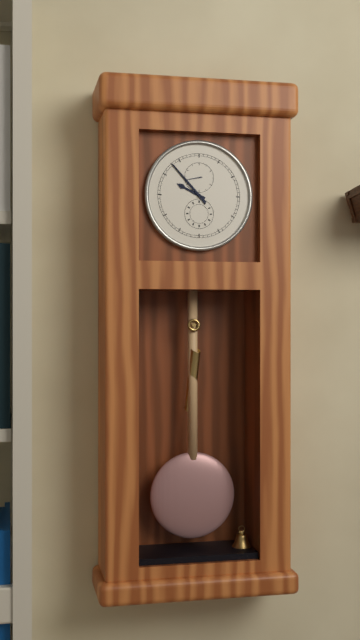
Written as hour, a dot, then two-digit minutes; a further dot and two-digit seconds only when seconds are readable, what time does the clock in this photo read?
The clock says 9.53
